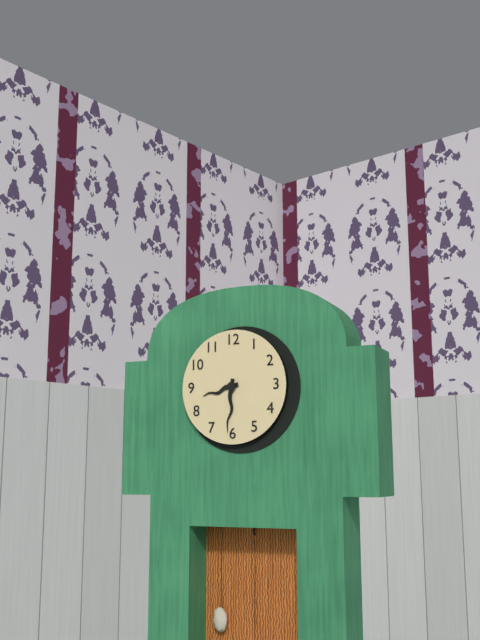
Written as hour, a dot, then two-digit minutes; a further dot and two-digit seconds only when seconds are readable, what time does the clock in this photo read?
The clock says 8.31
